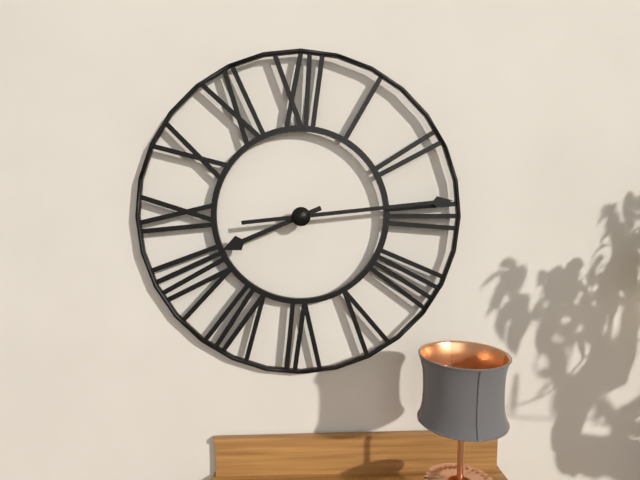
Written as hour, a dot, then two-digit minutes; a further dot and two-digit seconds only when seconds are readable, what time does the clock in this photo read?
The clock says 8.14
